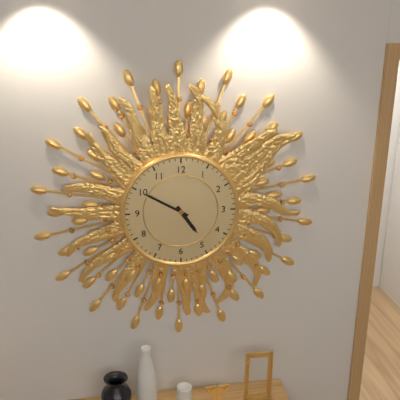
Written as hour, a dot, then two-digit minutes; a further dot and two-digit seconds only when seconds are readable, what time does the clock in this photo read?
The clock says 4.50
